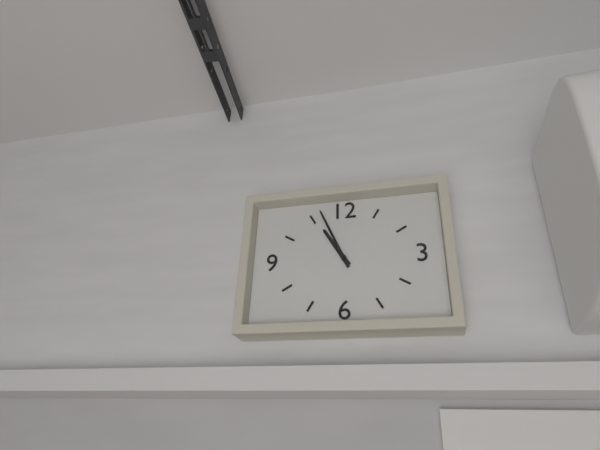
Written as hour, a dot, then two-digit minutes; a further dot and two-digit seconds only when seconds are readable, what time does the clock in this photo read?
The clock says 10.56
